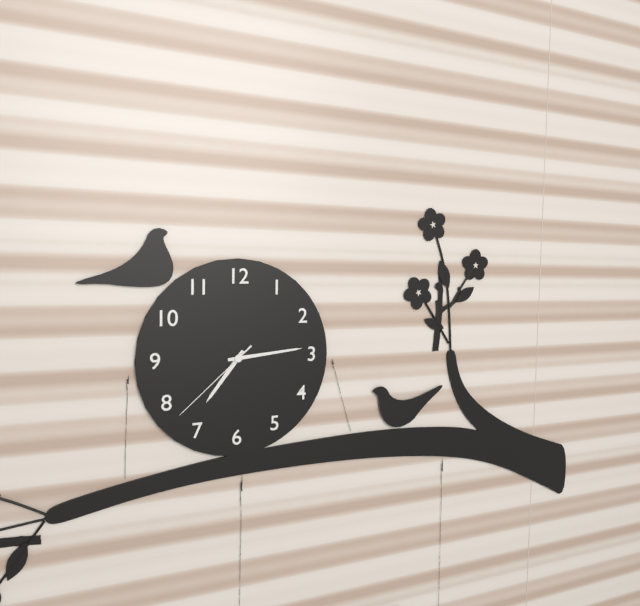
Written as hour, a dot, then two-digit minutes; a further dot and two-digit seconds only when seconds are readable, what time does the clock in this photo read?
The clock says 7.14.38
